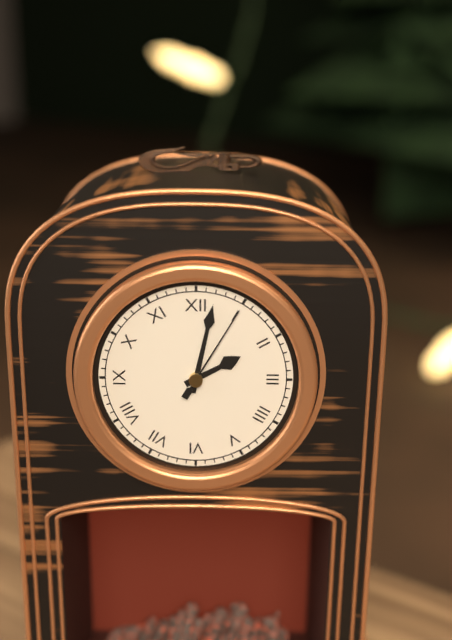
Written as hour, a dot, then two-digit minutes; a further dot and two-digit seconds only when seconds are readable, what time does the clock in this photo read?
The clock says 2.02.05
